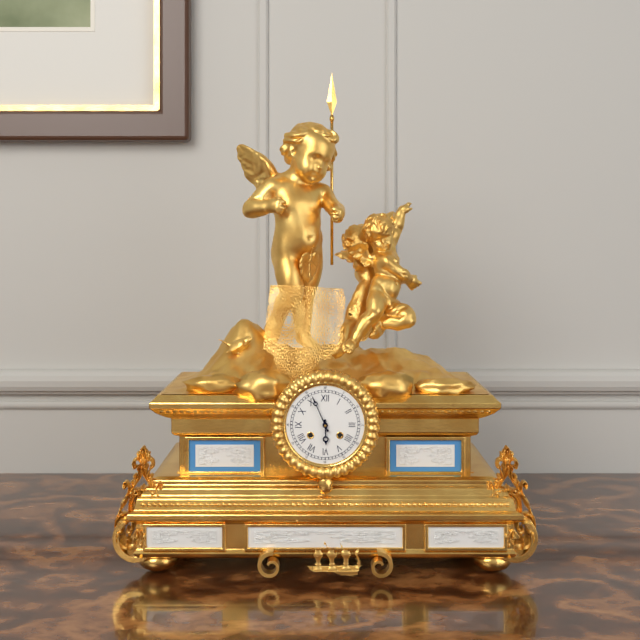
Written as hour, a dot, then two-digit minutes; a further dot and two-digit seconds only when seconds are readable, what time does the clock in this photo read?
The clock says 5.56
